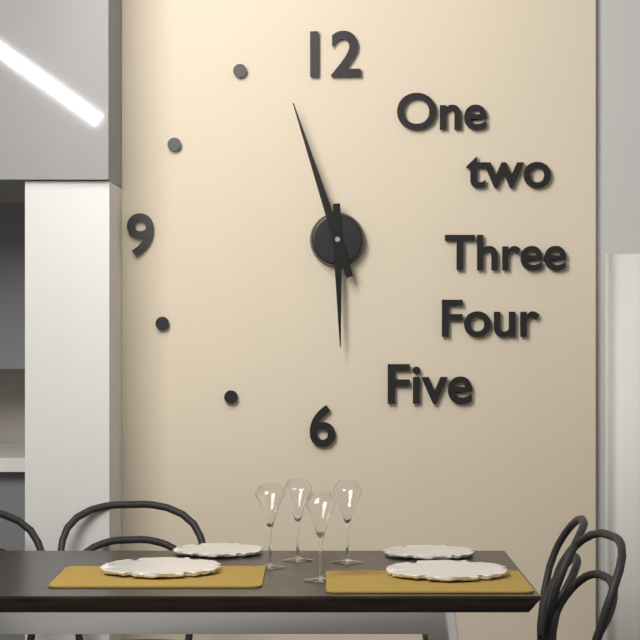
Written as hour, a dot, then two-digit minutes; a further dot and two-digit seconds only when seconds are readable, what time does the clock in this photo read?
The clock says 5.57
